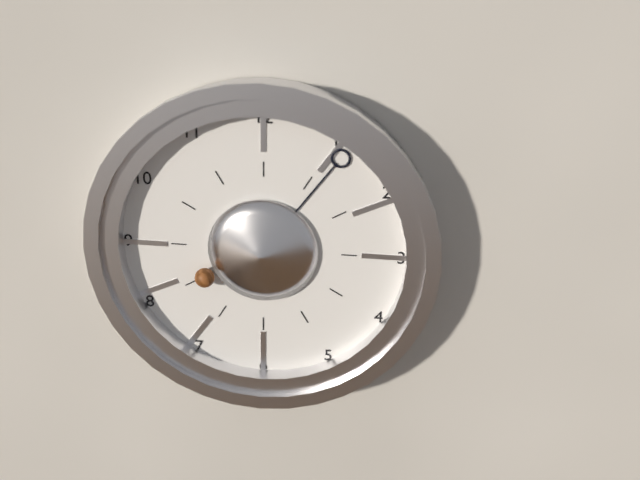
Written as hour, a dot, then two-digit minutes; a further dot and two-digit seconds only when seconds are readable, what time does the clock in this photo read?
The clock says 8.06
